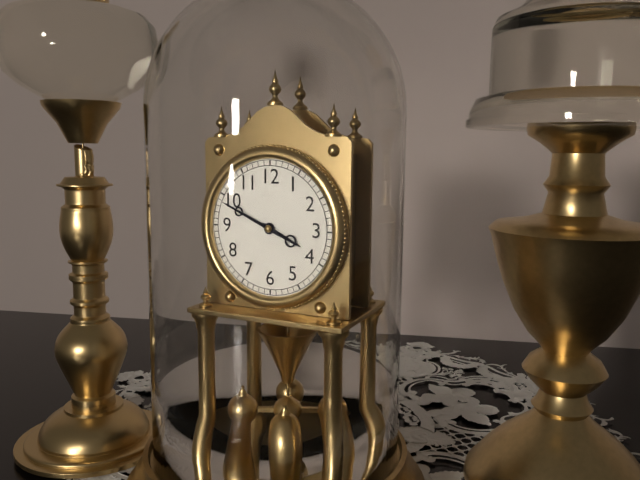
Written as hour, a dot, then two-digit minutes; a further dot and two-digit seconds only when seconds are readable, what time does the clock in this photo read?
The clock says 3.49
